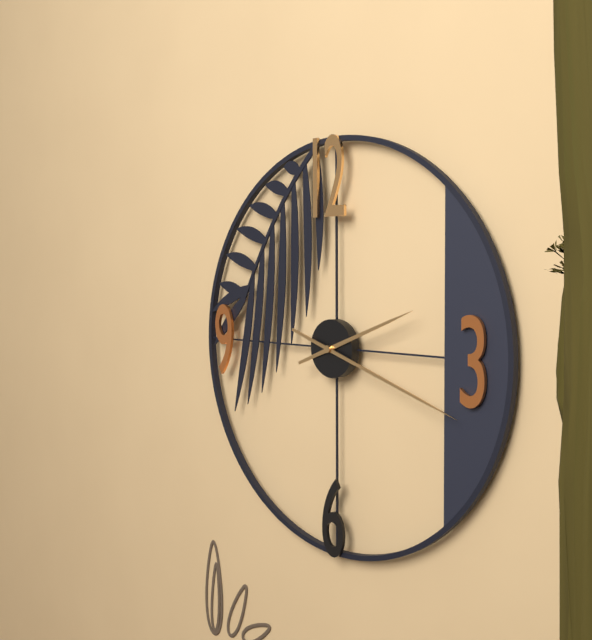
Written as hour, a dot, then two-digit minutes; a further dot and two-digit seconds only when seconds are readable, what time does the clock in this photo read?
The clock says 2.18
